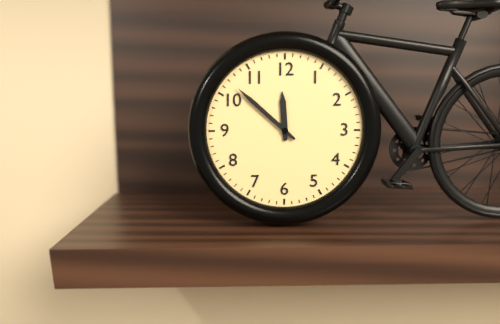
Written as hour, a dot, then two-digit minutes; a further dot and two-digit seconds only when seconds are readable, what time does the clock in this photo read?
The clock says 11.52
